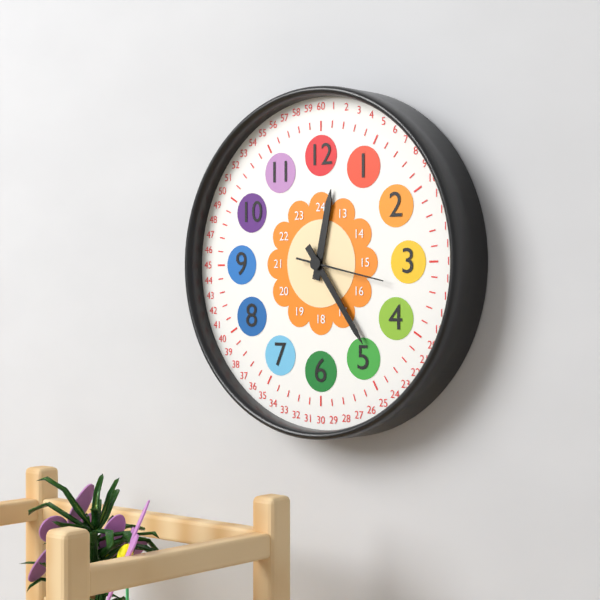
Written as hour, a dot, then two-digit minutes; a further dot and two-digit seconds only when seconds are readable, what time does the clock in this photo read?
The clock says 12.24.17
